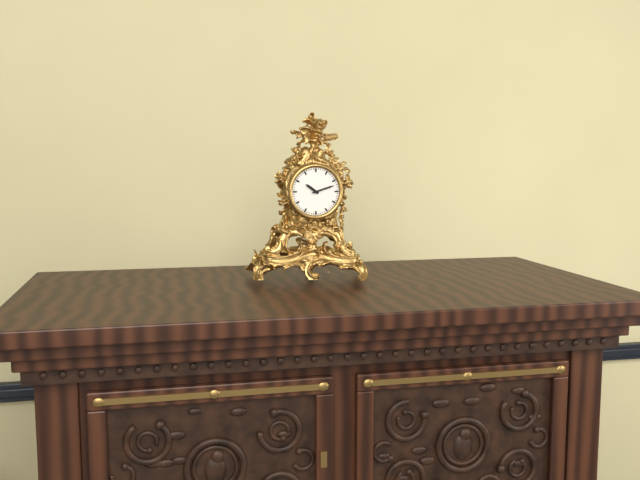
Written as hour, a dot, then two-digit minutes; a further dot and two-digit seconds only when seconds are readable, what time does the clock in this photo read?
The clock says 10.12
